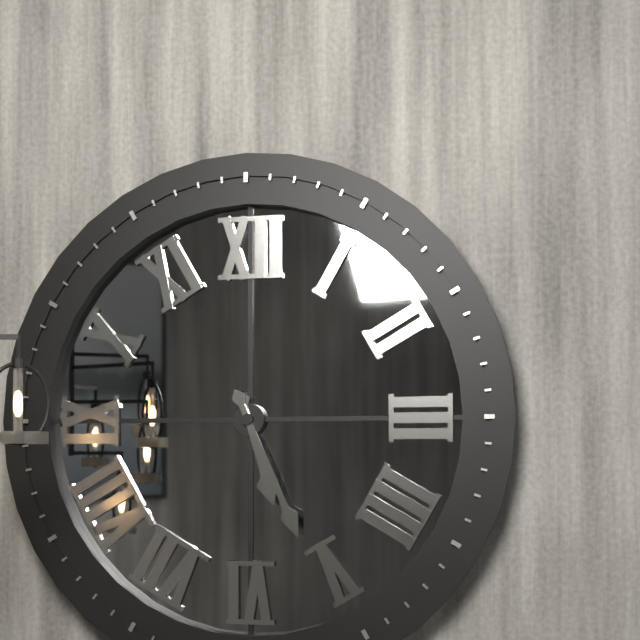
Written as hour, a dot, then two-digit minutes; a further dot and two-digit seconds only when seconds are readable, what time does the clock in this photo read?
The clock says 5.26
